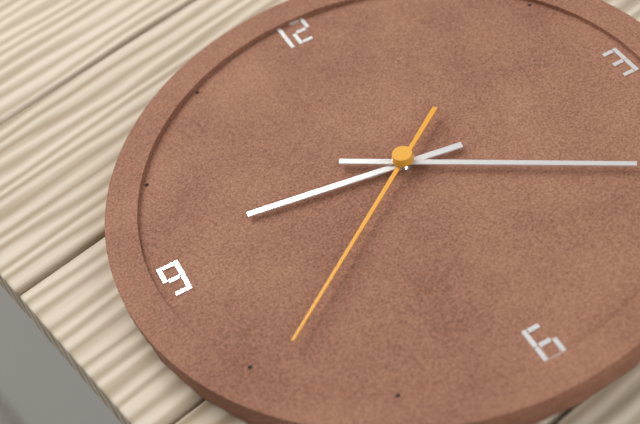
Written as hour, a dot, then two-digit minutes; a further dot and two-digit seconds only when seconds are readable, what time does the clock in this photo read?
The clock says 9.21.39
